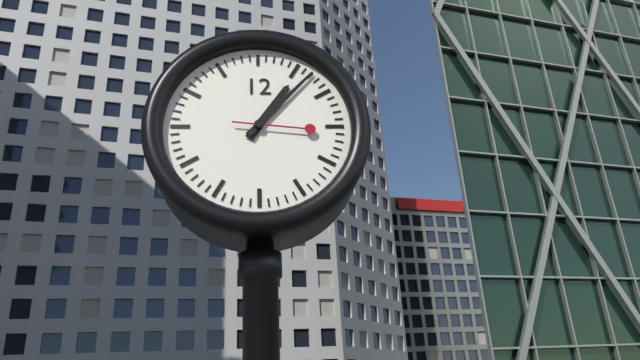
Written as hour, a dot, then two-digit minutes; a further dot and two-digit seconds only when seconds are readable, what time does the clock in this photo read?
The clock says 1.07.16
